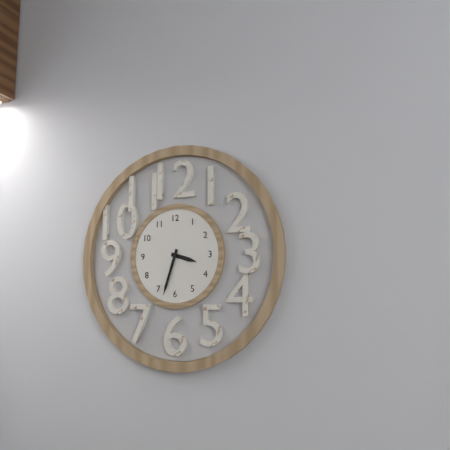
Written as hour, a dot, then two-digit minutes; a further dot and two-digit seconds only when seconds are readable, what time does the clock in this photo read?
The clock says 3.33
